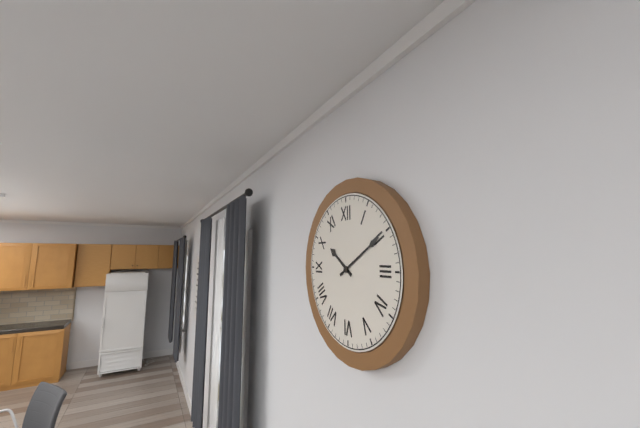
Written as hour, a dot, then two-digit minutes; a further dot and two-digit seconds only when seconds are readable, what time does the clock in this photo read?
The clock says 10.10
